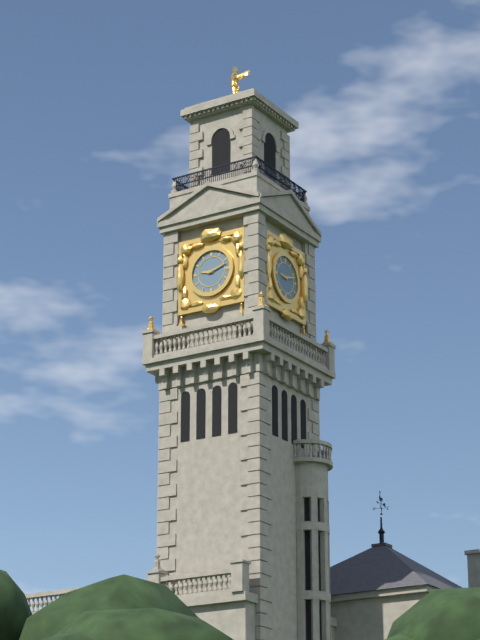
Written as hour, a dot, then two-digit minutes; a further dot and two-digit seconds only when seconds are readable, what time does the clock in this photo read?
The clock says 9.12
